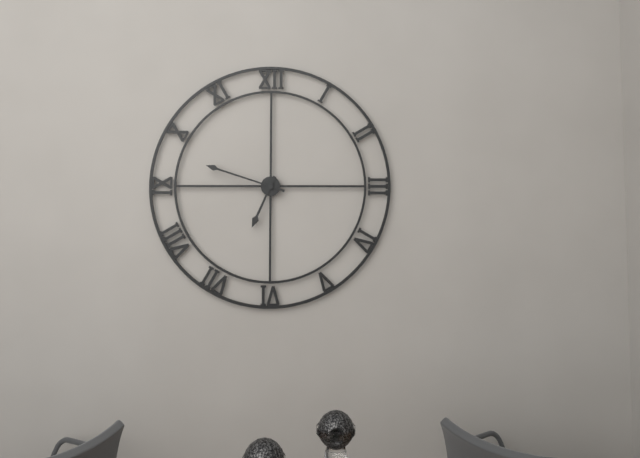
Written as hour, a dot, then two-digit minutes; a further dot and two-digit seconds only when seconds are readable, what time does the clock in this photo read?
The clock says 6.48
